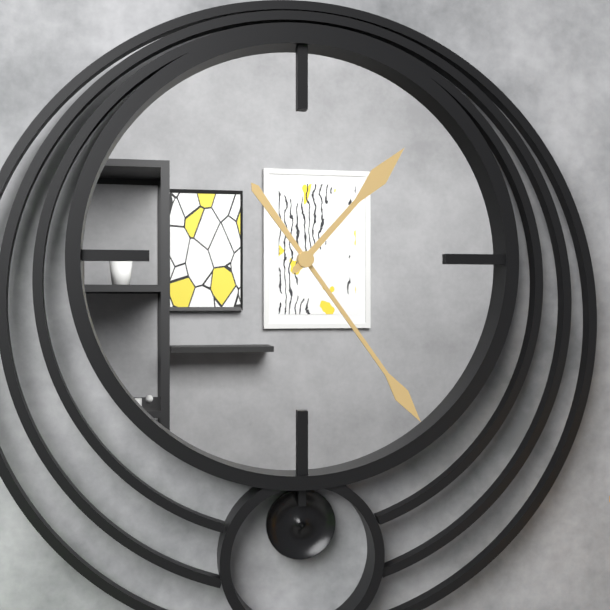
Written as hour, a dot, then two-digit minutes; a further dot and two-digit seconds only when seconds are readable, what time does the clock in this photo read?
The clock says 1.24
